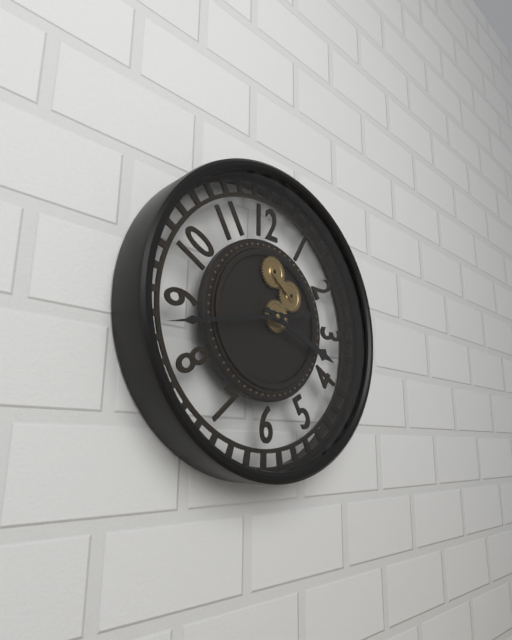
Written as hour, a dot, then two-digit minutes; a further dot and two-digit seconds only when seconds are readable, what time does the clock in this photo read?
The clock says 3.43
